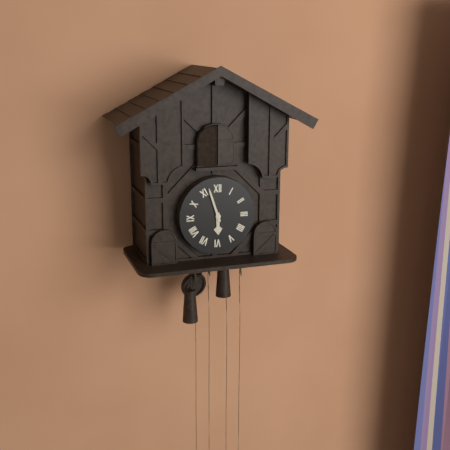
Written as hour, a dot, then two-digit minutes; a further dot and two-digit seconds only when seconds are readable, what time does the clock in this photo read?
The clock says 5.57
